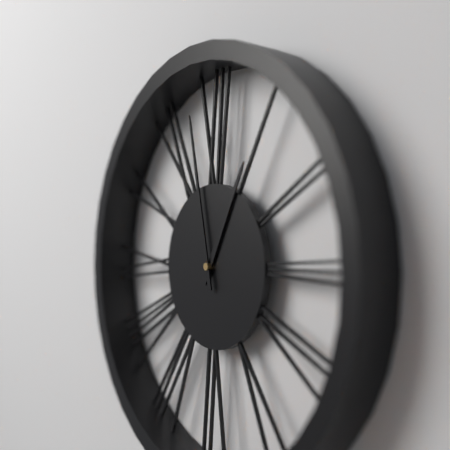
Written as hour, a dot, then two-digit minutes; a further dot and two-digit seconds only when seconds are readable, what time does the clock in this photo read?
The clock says 12.58
